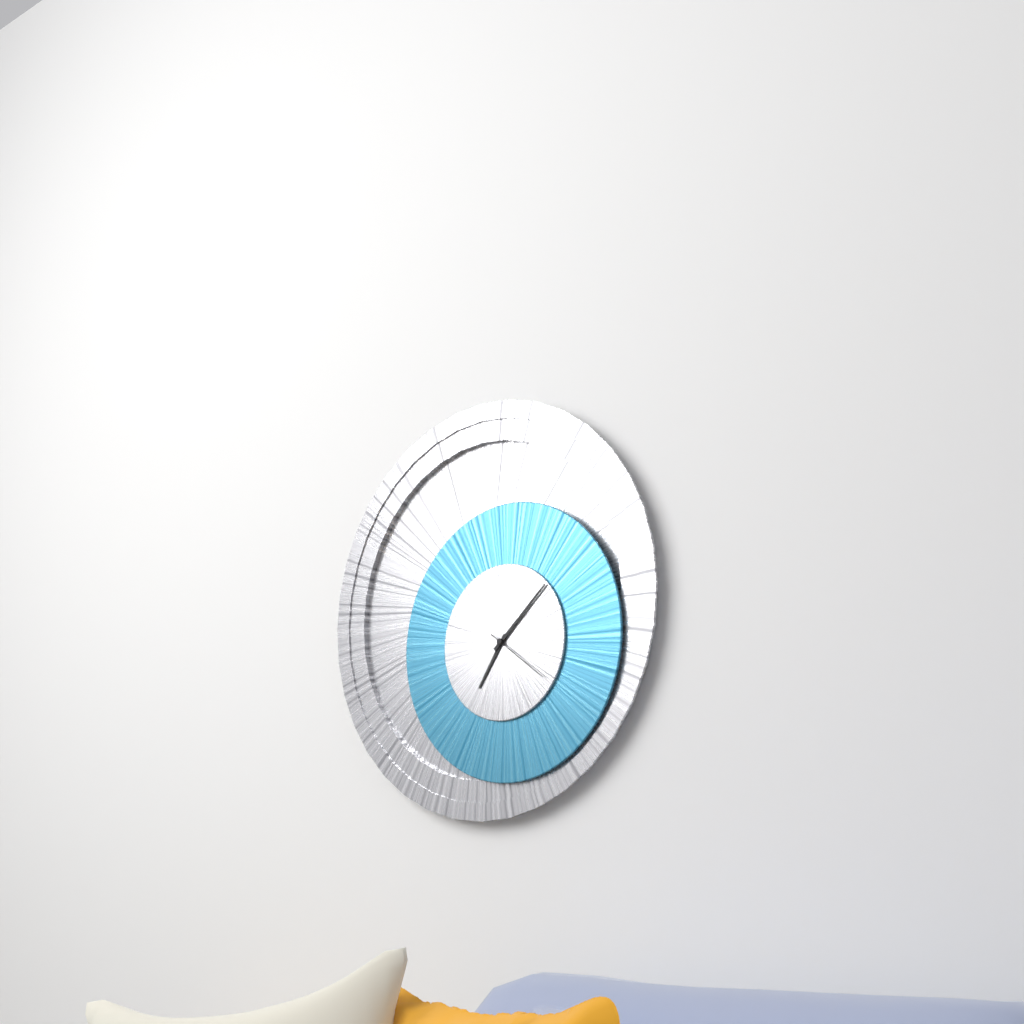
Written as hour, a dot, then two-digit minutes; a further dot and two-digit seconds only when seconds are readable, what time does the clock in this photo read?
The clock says 7.08.21
